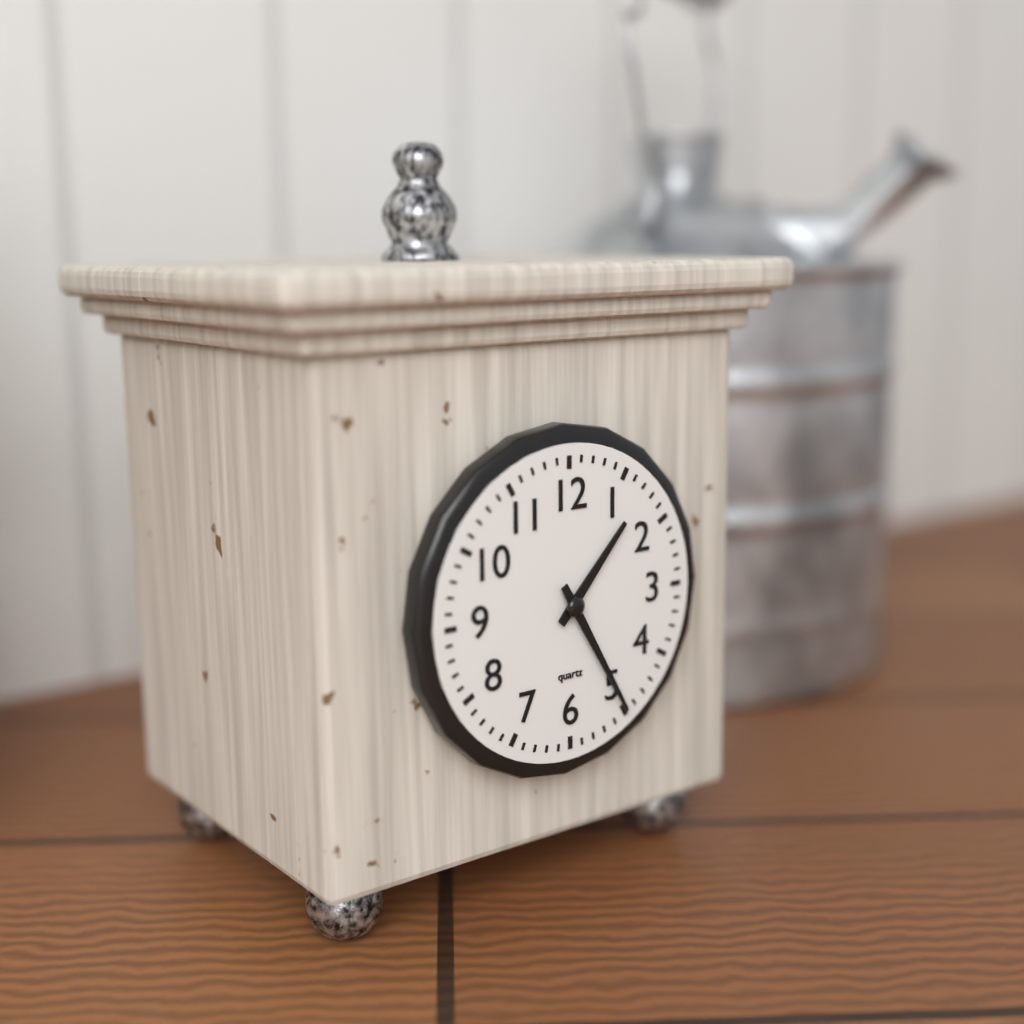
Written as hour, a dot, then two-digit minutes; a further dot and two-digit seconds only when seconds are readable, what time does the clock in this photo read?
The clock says 1.25
